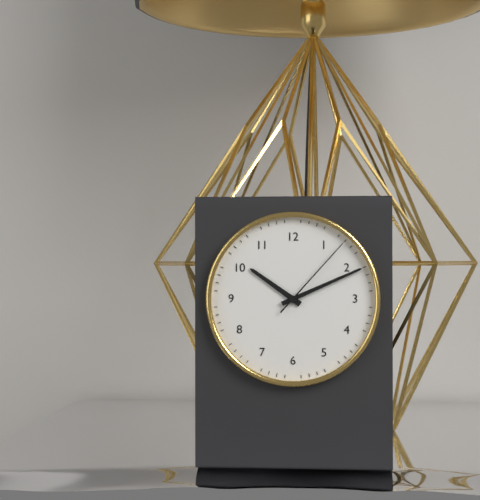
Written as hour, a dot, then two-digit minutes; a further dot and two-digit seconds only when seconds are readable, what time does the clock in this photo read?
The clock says 10.11.07
